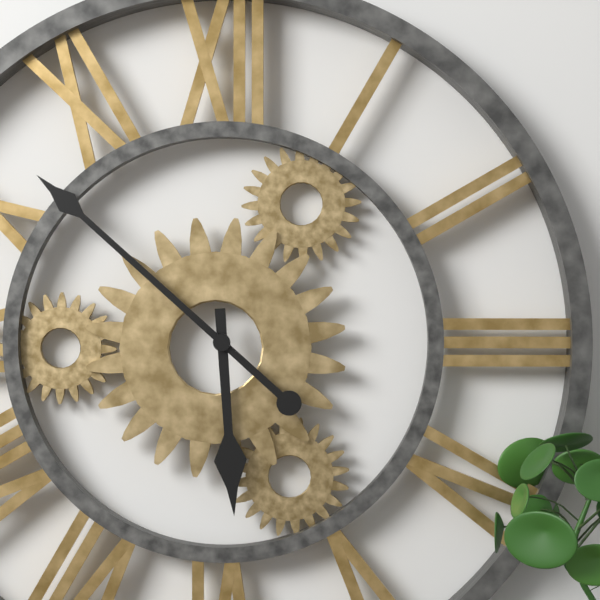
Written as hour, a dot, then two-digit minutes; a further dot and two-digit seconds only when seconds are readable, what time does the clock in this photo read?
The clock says 5.52
